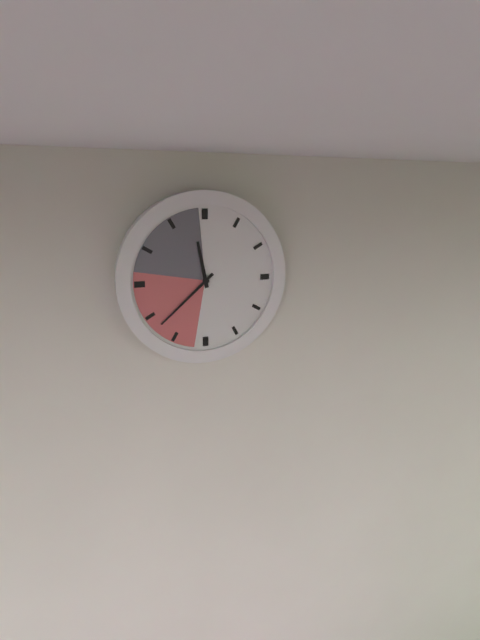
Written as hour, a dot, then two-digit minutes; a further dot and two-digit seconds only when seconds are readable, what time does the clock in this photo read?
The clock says 11.38
